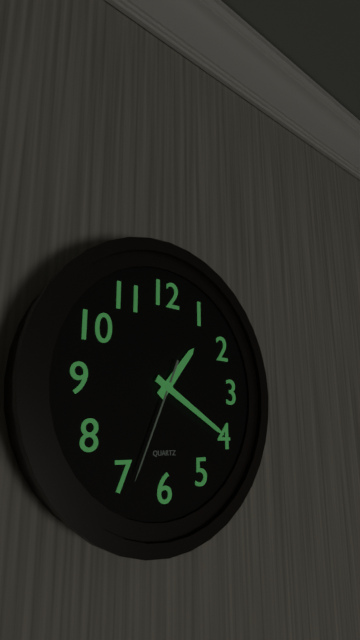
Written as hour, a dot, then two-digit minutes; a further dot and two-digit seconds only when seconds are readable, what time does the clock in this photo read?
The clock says 1.20.34
